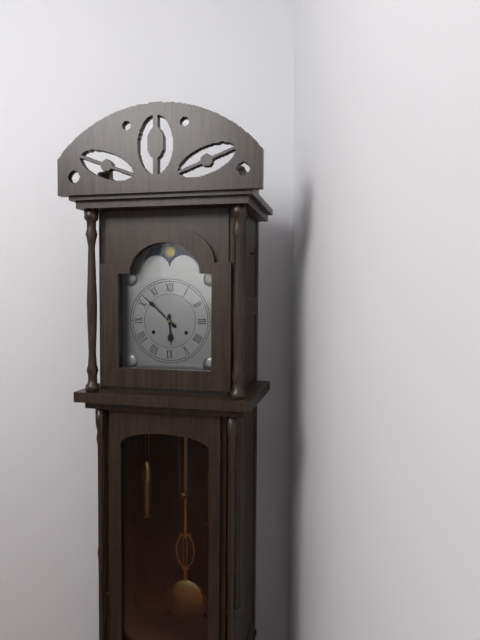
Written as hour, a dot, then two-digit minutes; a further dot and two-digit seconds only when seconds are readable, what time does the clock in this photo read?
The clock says 5.52
